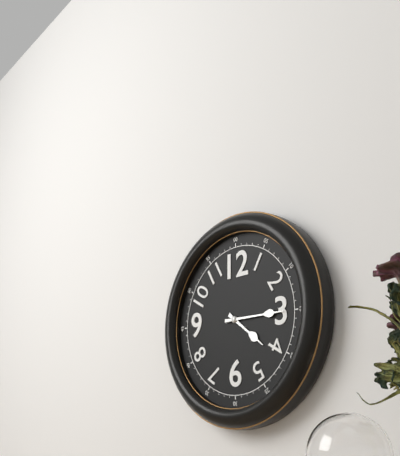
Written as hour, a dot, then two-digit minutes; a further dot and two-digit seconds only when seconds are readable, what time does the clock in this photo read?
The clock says 4.15
